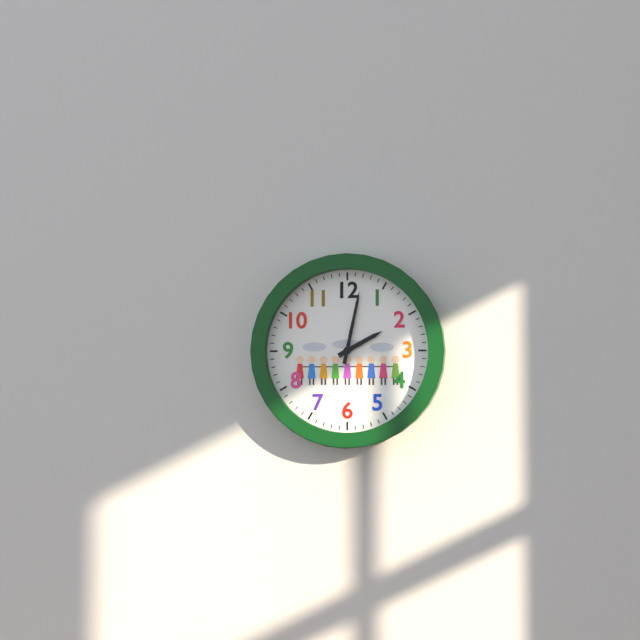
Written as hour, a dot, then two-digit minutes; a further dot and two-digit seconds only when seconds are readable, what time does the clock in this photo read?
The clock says 2.02
